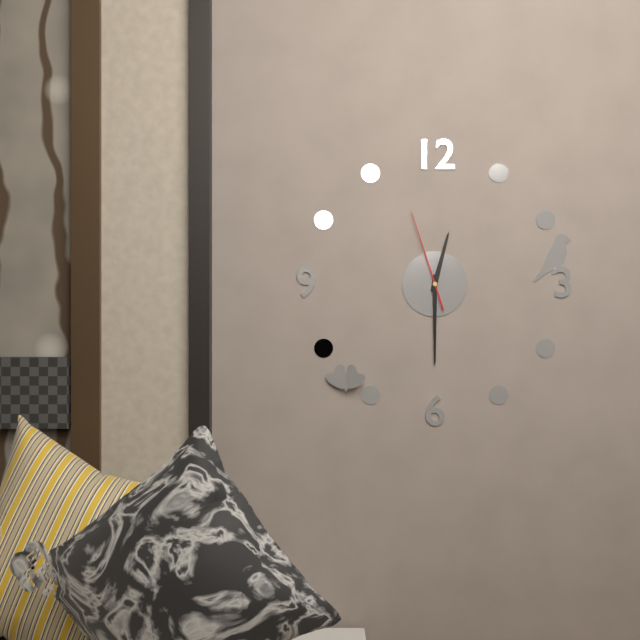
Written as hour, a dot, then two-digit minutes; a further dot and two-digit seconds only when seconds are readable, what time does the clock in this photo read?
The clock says 12.30.57
